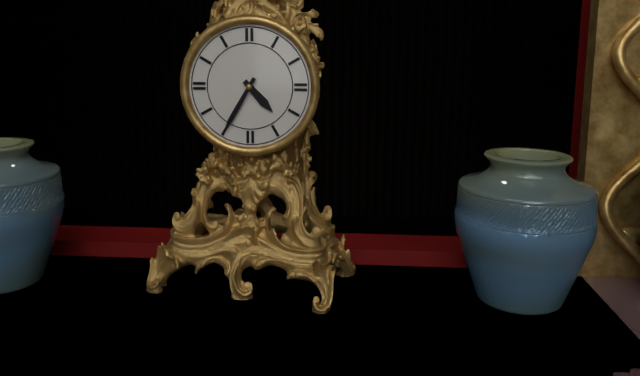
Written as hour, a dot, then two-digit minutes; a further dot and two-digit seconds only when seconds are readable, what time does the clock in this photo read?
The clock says 4.35
